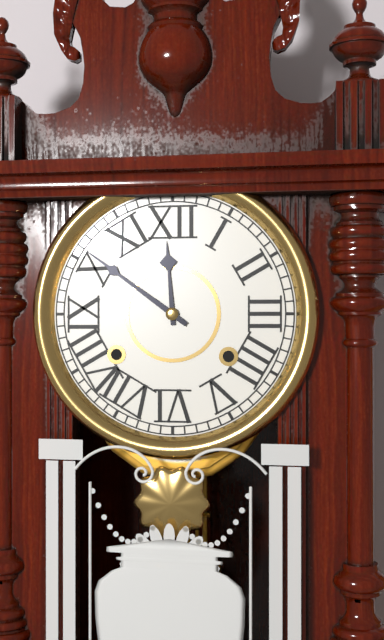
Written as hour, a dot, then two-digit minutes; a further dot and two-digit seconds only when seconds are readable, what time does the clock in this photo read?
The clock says 11.51
